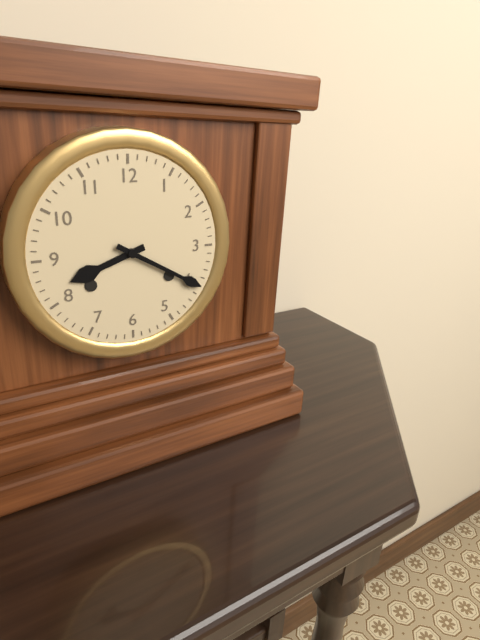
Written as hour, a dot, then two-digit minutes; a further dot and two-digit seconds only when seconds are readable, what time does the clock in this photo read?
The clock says 8.20
